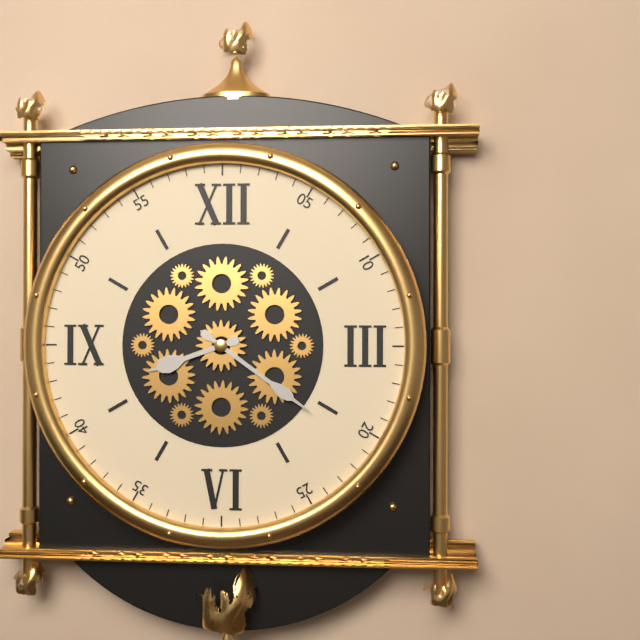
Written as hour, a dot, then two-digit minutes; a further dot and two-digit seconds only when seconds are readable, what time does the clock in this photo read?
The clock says 8.21
